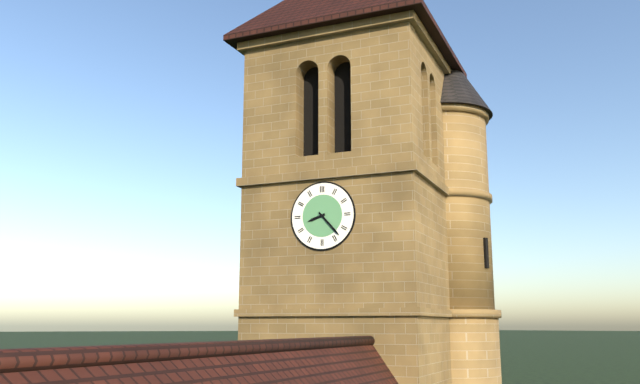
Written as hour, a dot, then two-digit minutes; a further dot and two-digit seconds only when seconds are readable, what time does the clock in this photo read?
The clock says 8.23
